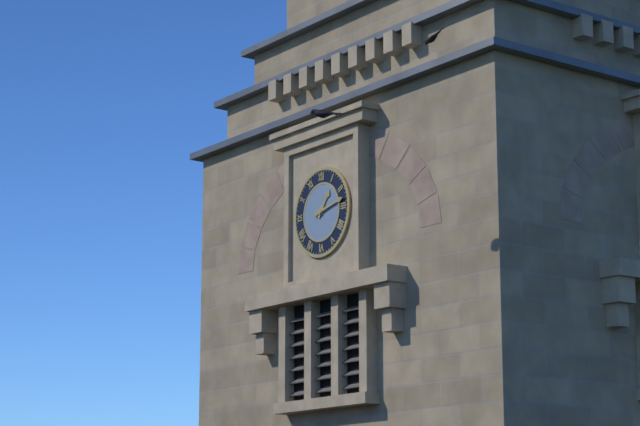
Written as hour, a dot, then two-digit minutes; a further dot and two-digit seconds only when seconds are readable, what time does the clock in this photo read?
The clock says 1.13
